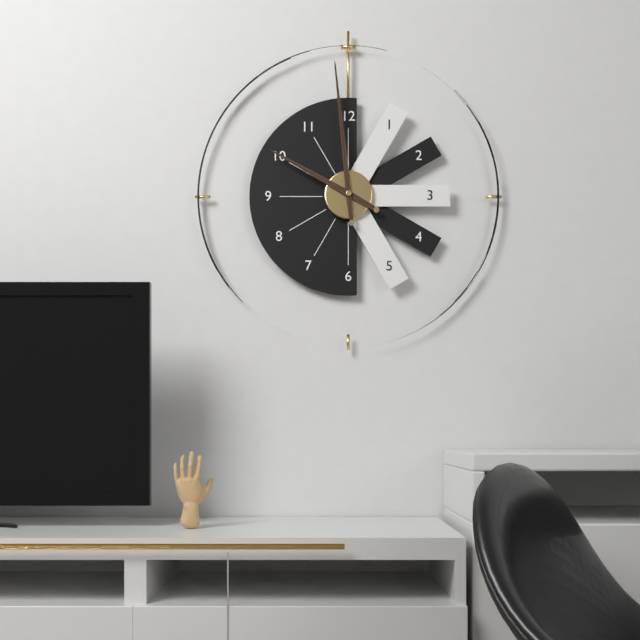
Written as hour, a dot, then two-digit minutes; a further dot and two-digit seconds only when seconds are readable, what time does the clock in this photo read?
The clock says 9.59
